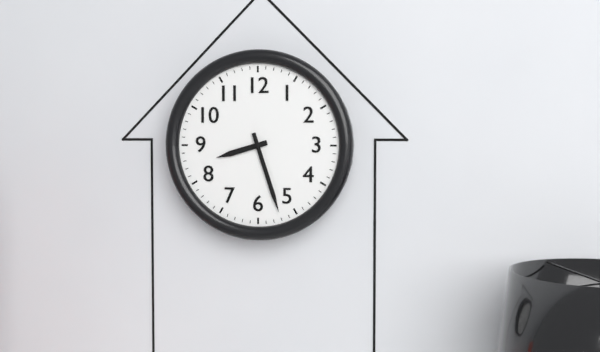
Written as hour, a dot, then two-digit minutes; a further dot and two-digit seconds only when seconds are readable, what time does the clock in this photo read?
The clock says 8.27
